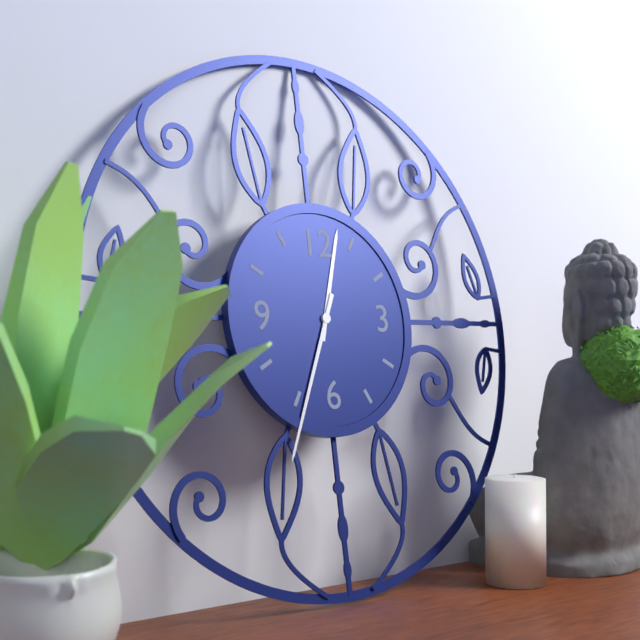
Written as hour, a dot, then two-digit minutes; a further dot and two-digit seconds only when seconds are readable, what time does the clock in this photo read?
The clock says 12.34
